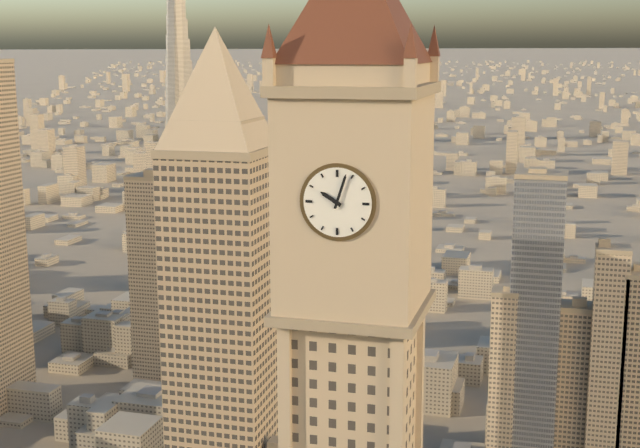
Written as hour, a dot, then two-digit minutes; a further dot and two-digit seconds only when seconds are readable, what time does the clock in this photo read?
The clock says 10.03
